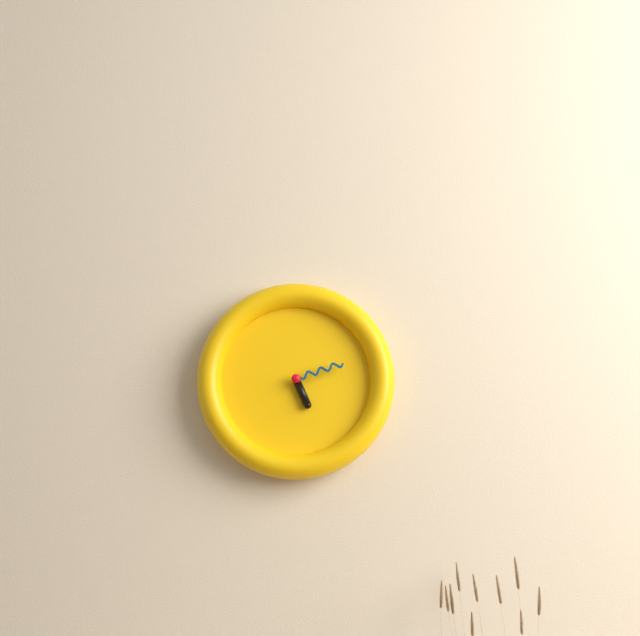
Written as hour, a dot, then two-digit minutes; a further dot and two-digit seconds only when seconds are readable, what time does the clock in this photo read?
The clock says 5.12
